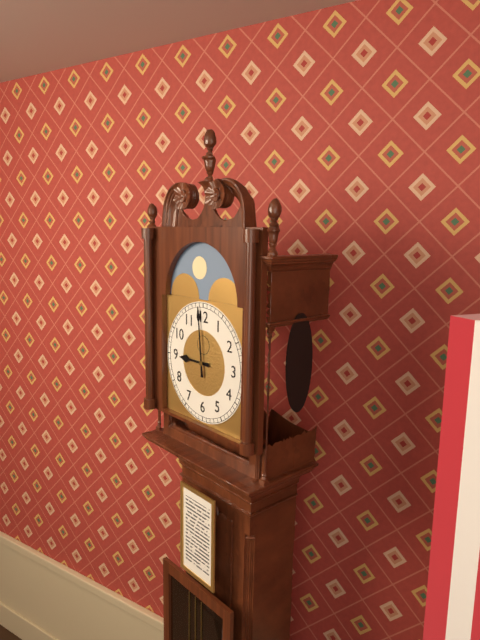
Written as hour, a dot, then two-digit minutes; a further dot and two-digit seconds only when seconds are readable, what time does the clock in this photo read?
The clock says 8.59
